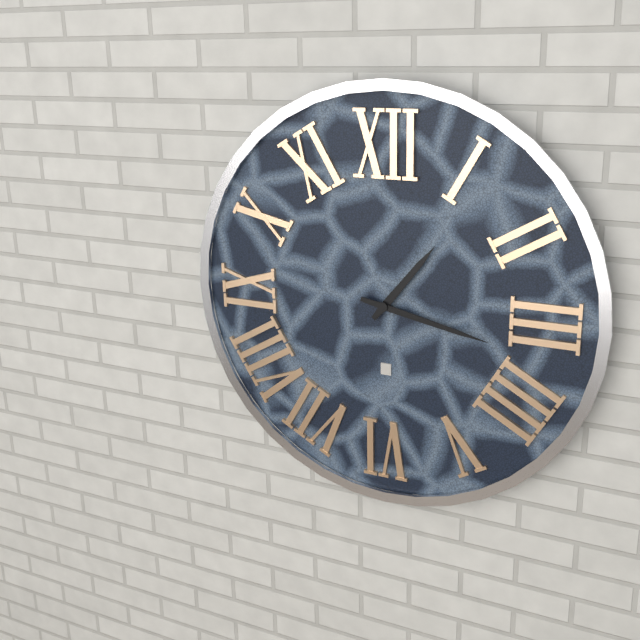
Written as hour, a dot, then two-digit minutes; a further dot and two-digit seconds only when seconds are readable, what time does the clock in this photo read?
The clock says 1.17
